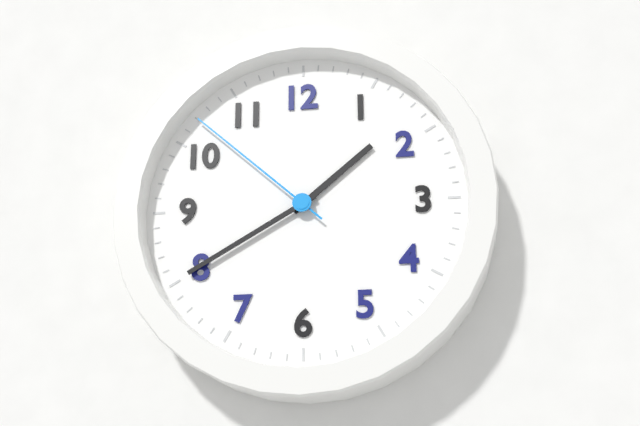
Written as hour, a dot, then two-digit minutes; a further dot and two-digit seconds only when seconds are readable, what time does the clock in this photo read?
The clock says 1.40.52
